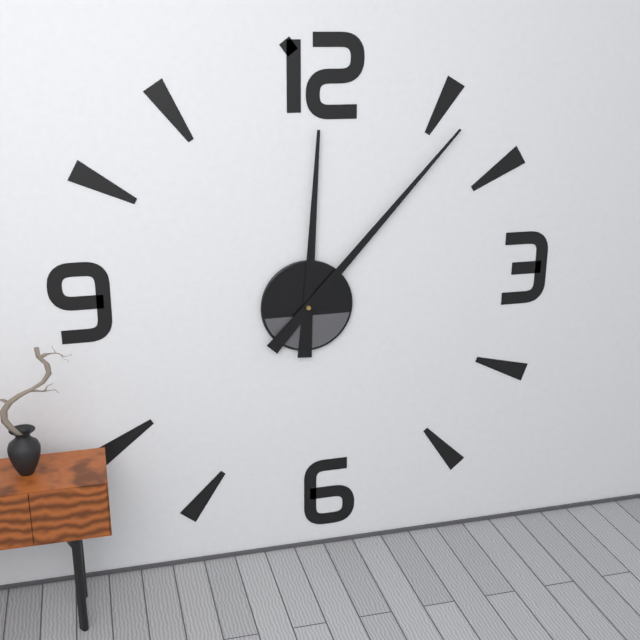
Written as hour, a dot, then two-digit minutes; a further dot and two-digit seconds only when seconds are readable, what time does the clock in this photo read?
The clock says 12.07
